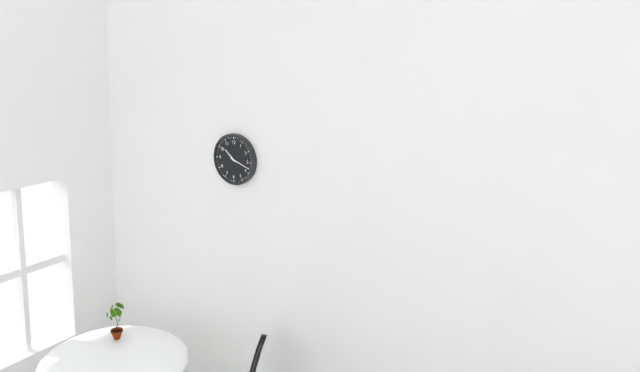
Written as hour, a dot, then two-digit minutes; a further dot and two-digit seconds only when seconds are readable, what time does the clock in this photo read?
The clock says 10.18
